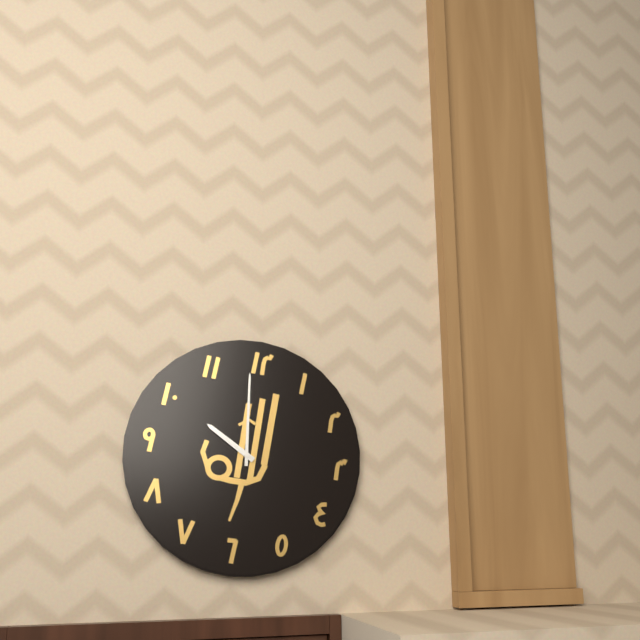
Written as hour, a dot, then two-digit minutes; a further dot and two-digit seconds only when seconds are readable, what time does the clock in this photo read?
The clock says 9.59
